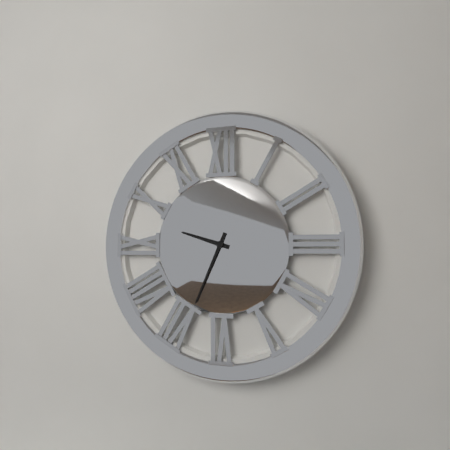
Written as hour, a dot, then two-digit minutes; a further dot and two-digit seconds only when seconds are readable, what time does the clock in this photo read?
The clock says 9.34
